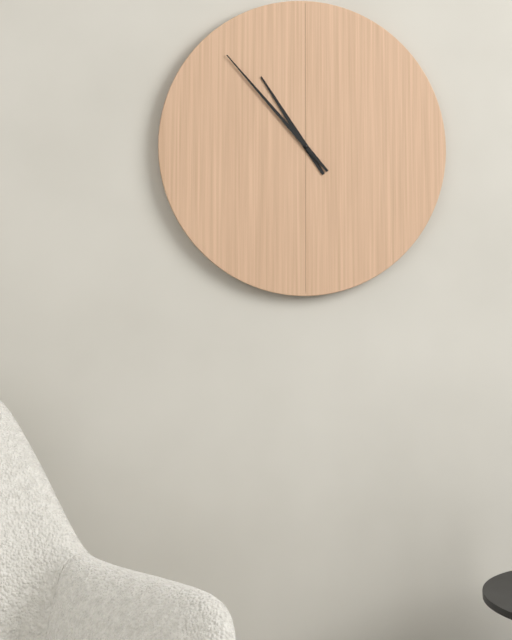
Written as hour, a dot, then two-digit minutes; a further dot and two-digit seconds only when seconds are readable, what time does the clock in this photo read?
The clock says 10.53
